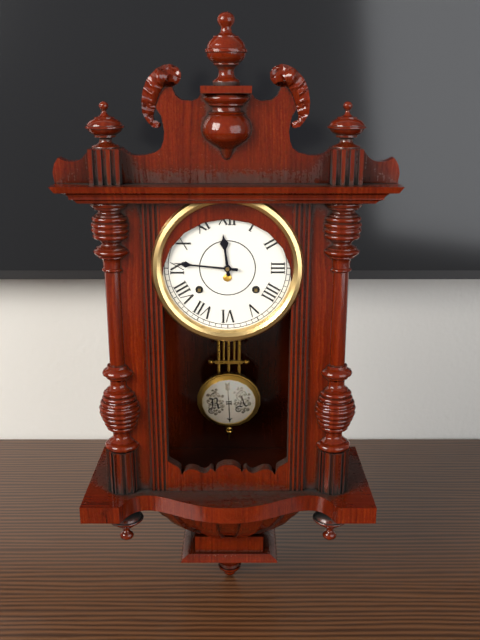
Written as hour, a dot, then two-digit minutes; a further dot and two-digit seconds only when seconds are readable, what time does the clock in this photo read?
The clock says 11.46
